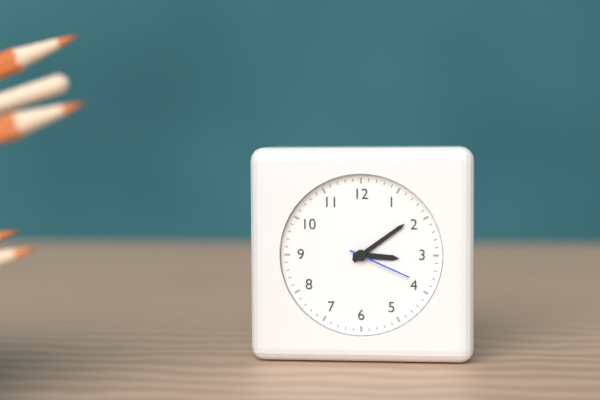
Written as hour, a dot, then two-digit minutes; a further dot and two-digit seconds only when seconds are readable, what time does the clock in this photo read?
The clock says 3.09.19
